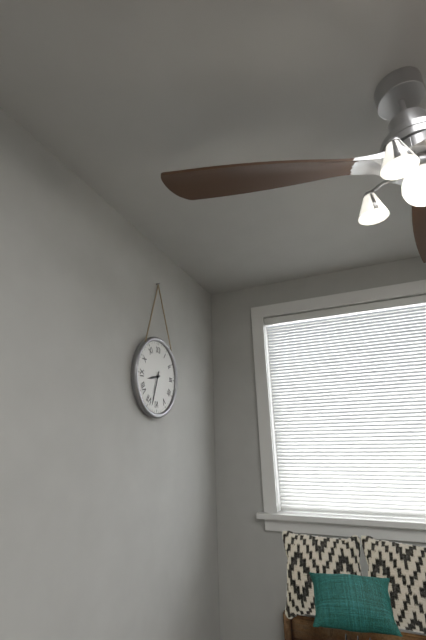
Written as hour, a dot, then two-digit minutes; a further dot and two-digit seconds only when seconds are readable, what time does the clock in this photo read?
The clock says 8.33
